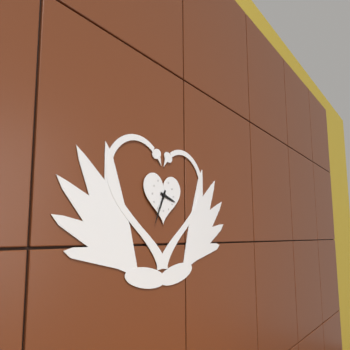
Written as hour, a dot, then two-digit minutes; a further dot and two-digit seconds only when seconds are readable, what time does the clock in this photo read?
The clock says 3.34
